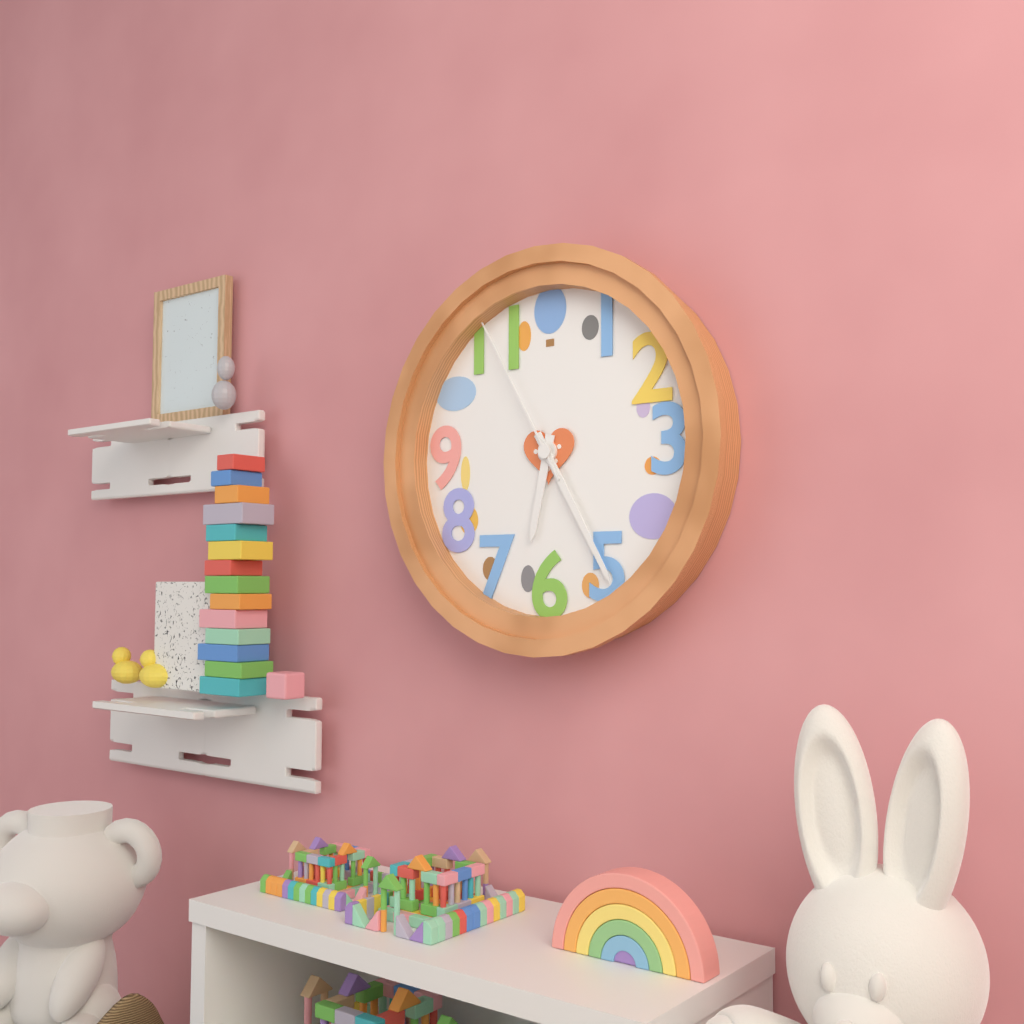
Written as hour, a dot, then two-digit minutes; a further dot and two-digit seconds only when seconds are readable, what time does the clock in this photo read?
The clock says 6.25.55
